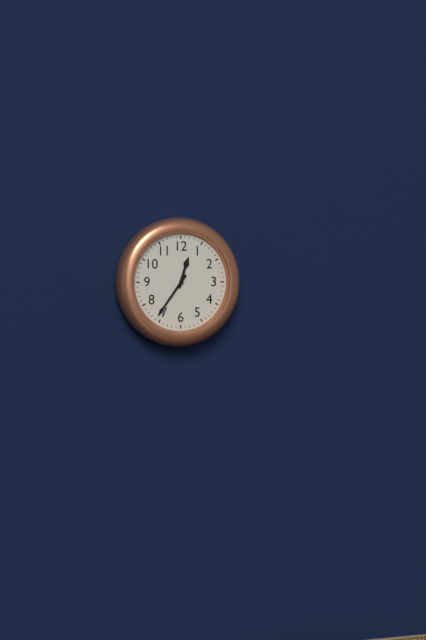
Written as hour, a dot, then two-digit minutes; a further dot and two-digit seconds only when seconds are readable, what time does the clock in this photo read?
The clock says 12.36
